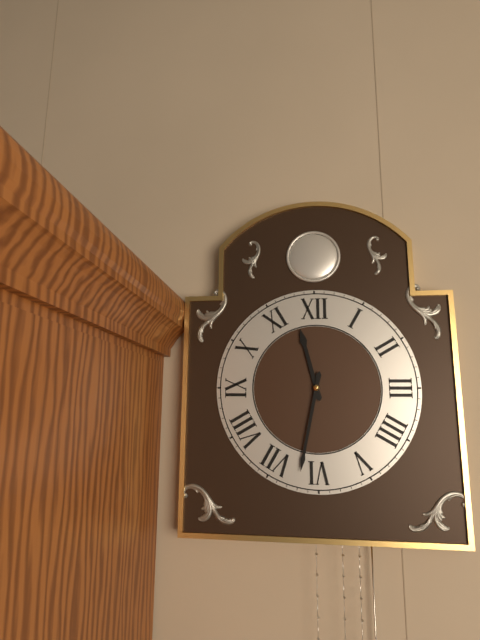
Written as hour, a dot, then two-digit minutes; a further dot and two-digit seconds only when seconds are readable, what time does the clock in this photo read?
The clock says 11.32
